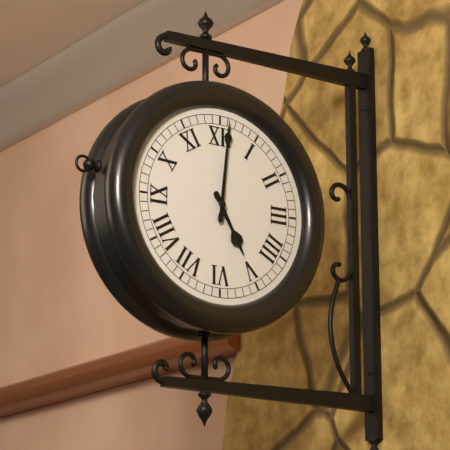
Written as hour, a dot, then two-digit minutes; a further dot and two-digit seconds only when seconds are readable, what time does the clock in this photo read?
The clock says 5.01
